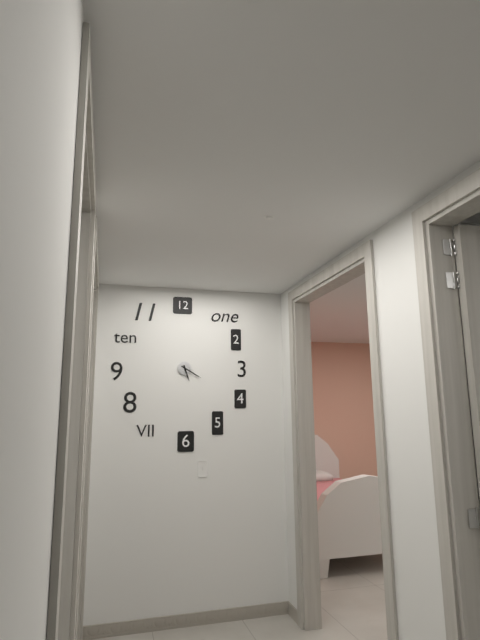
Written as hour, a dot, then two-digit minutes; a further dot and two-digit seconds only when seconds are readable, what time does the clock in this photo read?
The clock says 5.20
